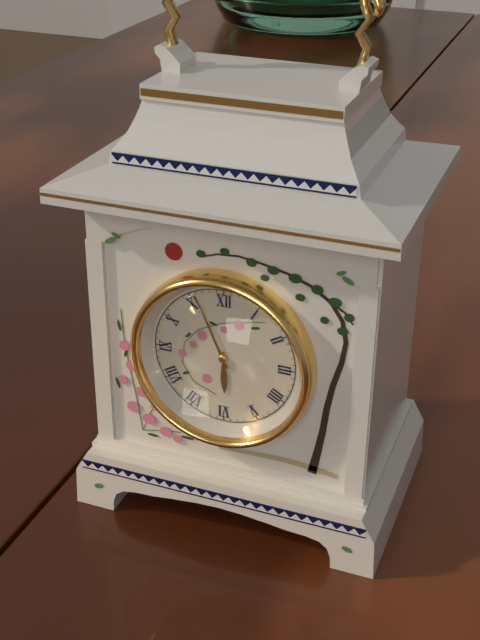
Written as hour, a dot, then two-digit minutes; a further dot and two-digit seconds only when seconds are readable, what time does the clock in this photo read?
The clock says 5.56
